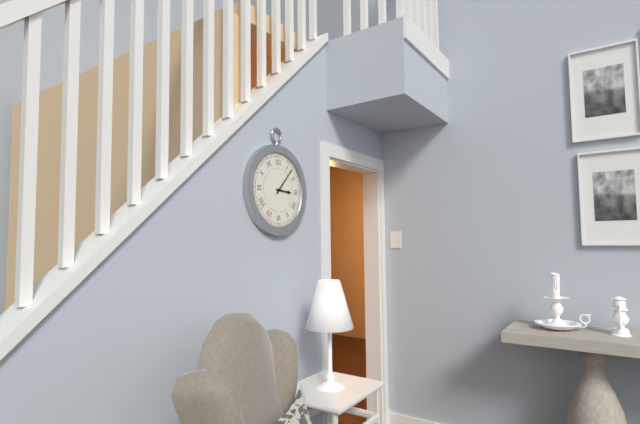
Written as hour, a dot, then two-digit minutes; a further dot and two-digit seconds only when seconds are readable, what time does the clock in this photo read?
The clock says 3.07
